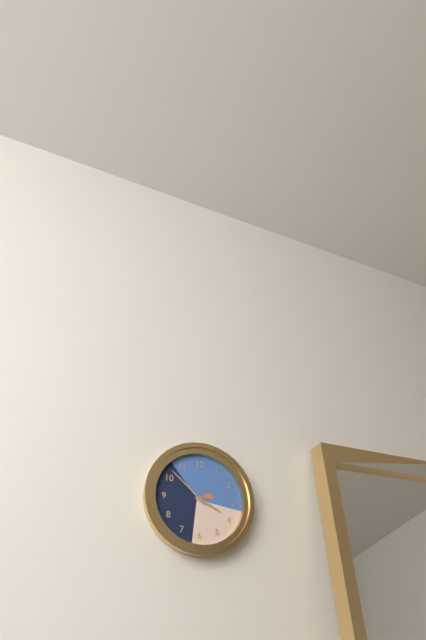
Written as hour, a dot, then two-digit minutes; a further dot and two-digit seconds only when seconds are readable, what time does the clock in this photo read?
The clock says 3.52
